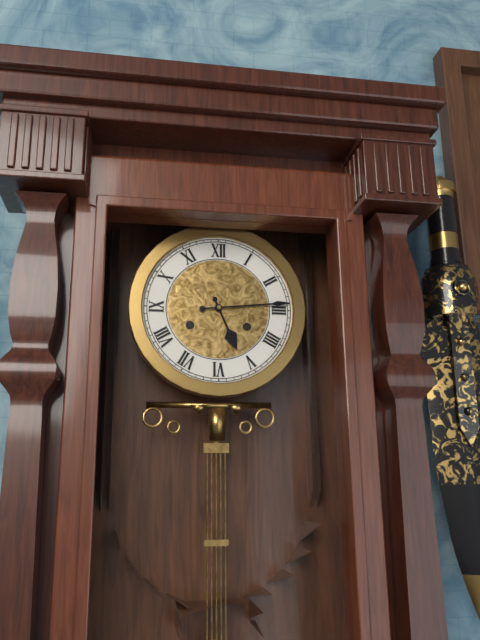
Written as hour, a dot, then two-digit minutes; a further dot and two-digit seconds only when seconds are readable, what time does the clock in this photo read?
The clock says 5.14
